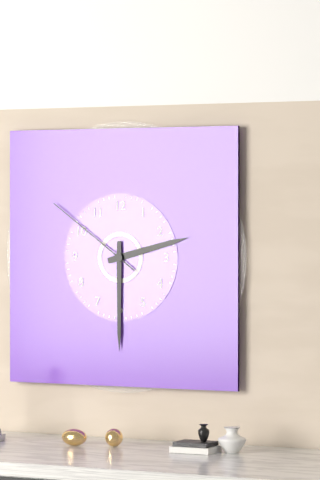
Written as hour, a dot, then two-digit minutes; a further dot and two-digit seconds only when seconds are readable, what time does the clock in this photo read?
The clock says 2.30.51
